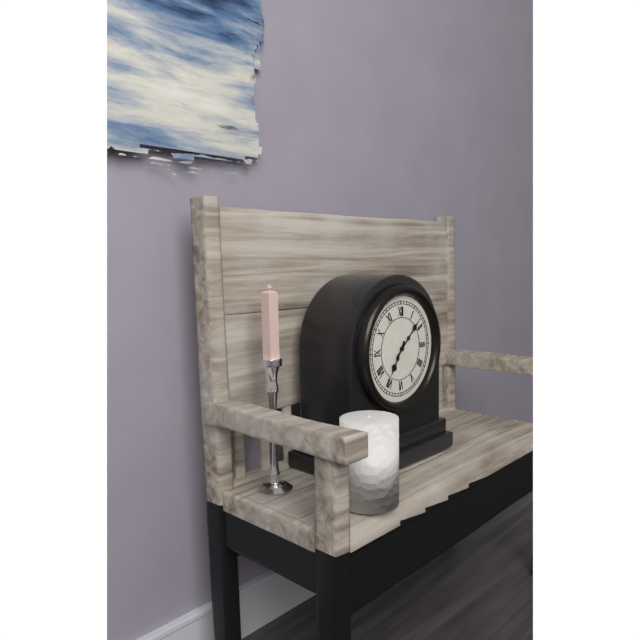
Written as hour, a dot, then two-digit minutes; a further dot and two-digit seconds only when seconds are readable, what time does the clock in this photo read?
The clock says 7.08
